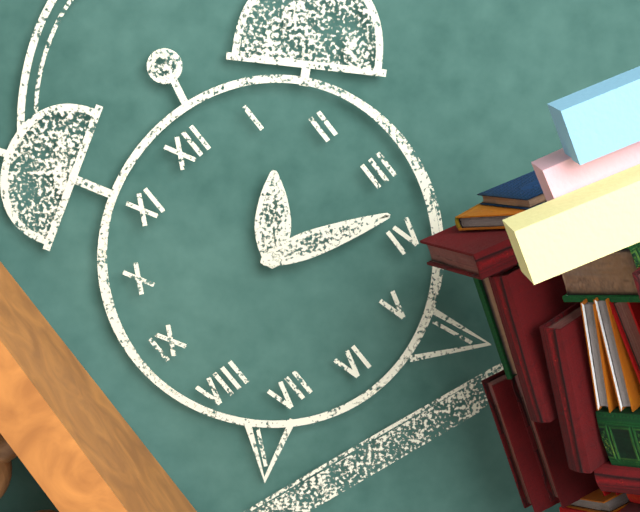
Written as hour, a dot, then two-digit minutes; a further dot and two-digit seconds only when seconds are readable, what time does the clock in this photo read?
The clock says 1.18
